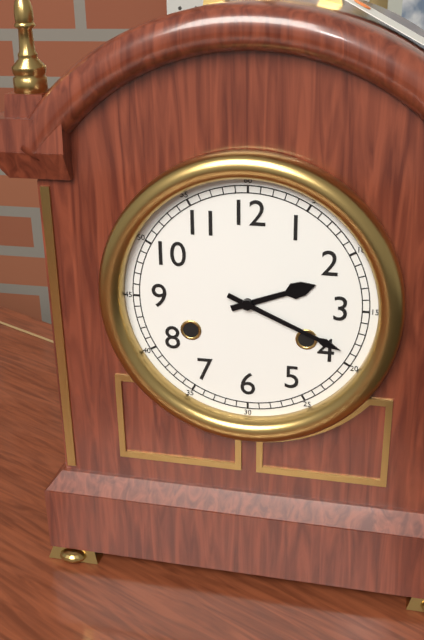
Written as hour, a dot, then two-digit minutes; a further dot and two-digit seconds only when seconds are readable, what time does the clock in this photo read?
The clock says 2.19
